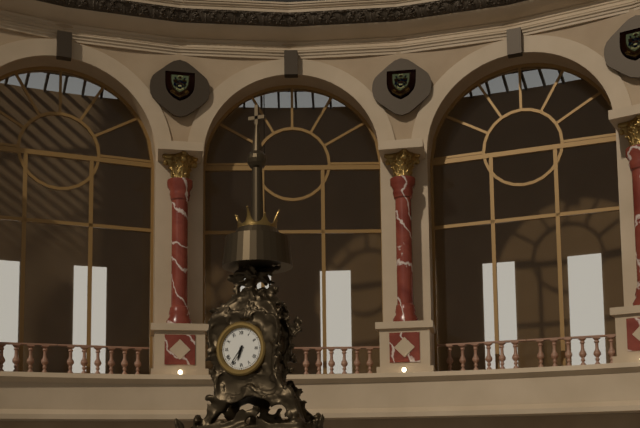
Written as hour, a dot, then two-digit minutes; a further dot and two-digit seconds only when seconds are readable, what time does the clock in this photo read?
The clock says 6.36
